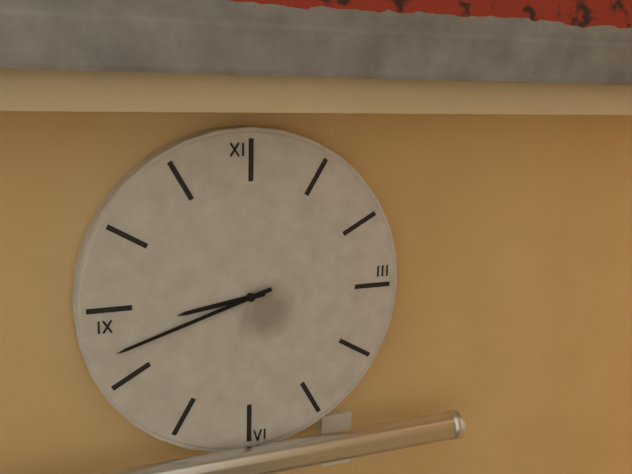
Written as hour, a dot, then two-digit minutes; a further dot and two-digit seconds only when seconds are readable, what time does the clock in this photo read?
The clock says 8.42
